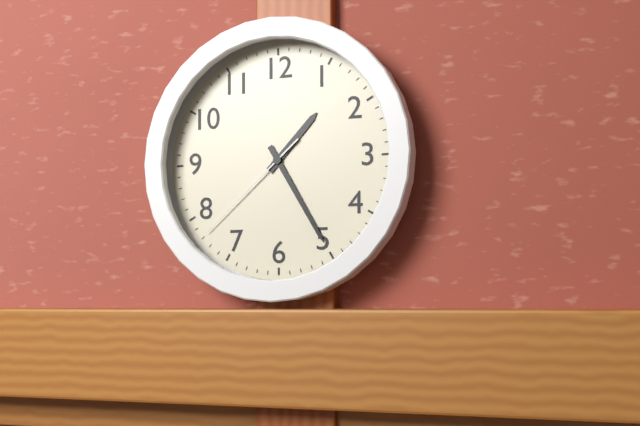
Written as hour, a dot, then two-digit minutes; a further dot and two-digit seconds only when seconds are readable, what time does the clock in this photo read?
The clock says 1.25.38
